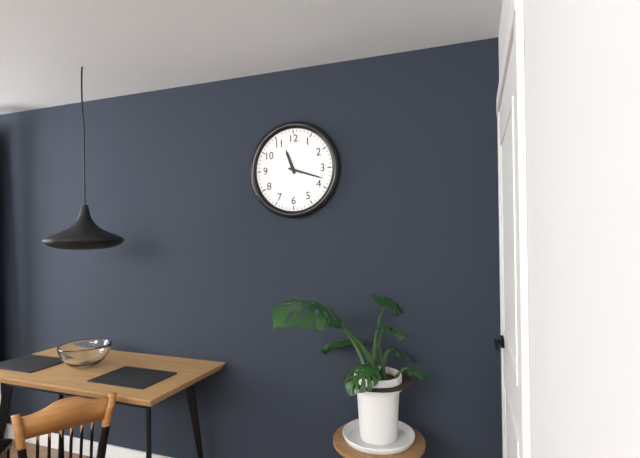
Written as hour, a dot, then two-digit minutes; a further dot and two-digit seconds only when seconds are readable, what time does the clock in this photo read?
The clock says 11.18
